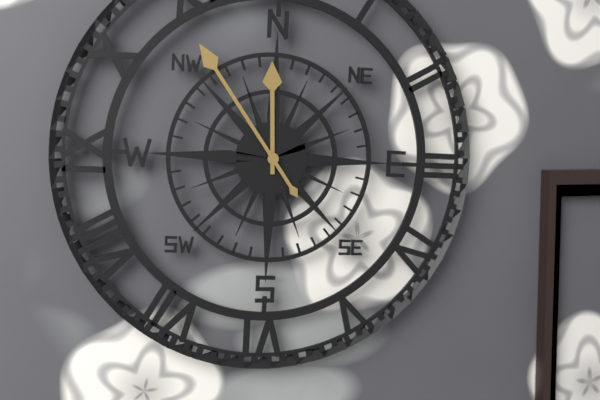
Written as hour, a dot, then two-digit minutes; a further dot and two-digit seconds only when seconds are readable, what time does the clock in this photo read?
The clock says 11.54
